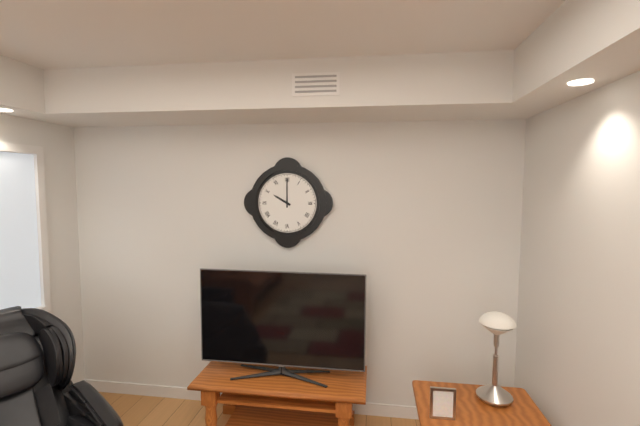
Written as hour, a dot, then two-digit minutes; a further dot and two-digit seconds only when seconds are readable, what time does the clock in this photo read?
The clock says 10.00
